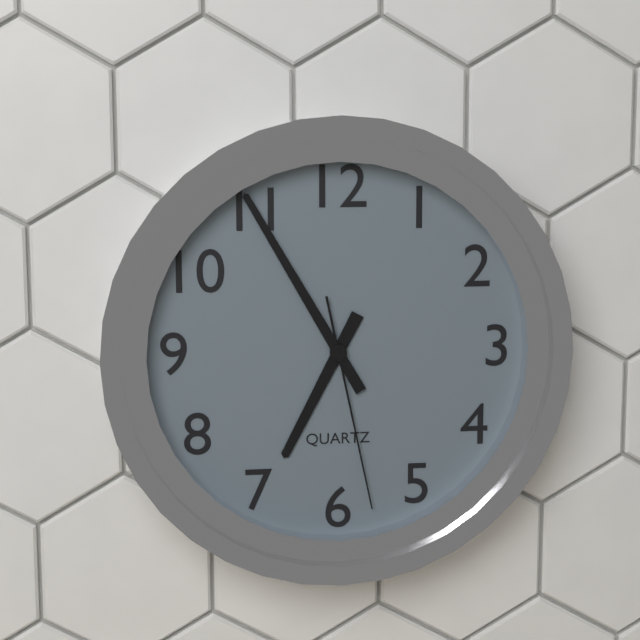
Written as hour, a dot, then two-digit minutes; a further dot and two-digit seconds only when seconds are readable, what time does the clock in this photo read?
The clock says 6.55.28
